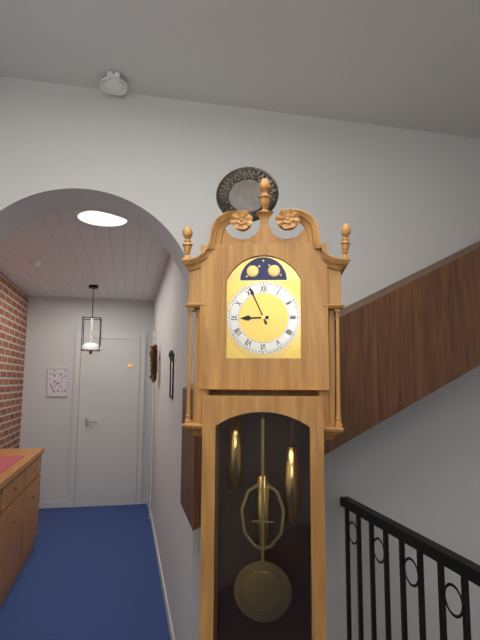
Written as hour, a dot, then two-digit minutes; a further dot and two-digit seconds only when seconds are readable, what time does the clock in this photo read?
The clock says 8.56
